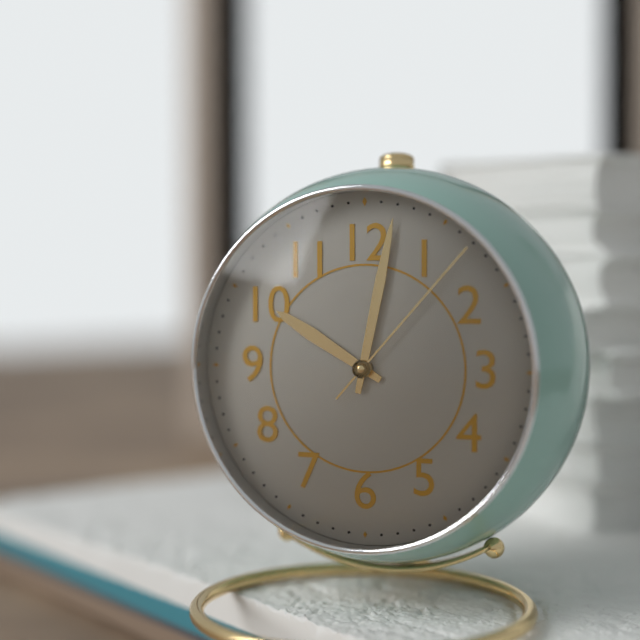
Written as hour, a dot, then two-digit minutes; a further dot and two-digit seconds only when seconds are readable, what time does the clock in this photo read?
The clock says 10.02.07
